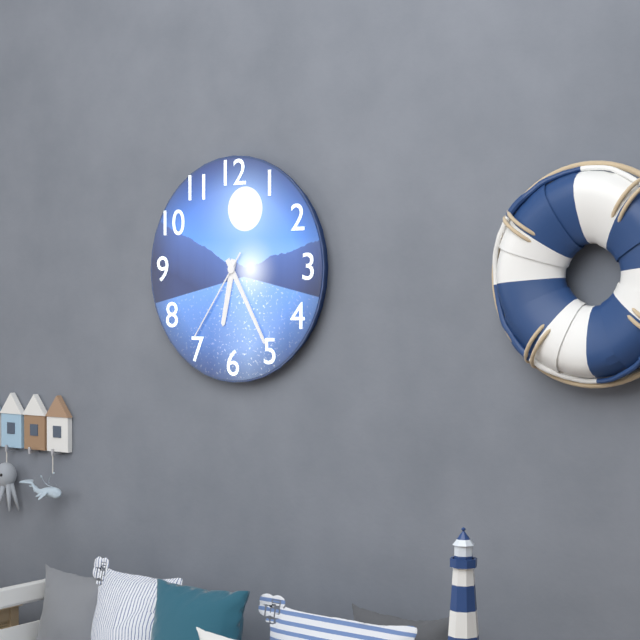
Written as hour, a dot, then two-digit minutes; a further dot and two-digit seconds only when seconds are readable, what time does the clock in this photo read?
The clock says 6.25.36
